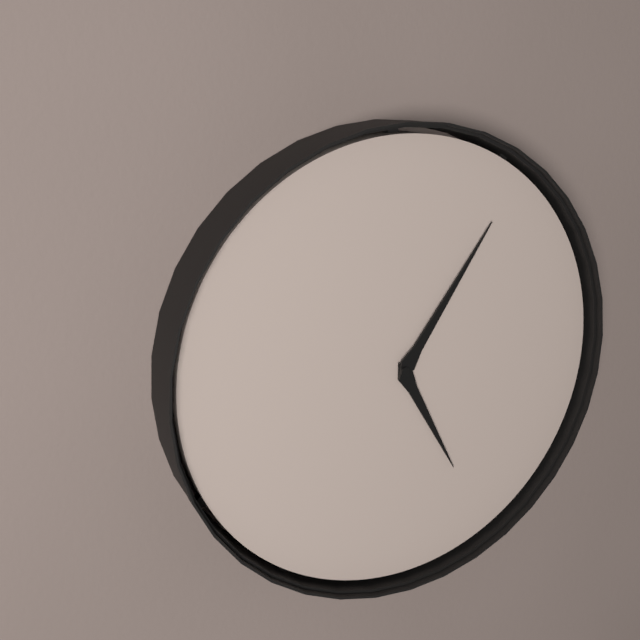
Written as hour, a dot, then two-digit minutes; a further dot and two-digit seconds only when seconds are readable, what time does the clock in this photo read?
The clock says 5.06
